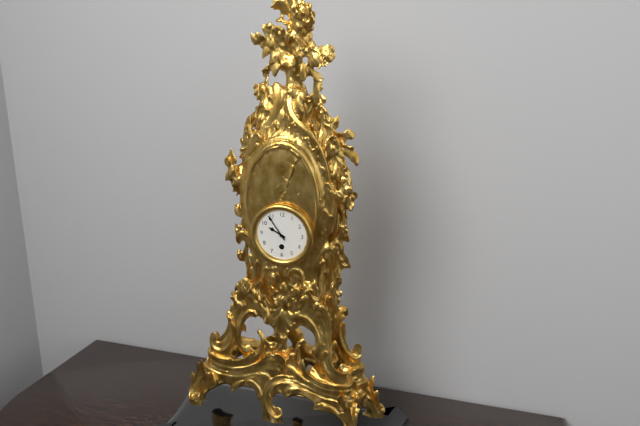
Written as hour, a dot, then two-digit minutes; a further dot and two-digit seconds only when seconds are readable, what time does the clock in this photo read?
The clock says 9.54
